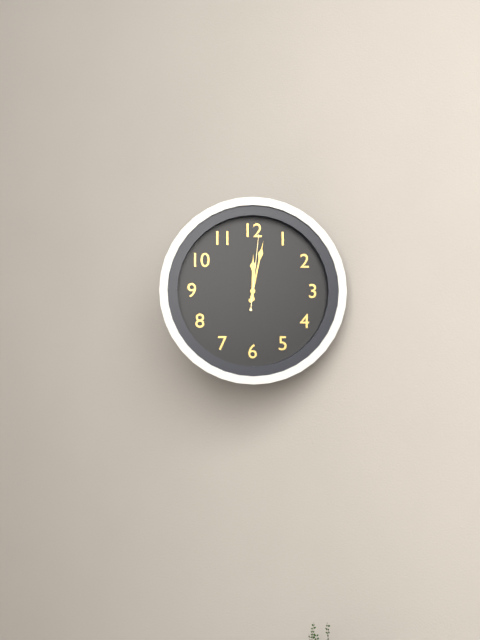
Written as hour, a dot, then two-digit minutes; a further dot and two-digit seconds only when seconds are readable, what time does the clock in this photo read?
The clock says 12.02.01
